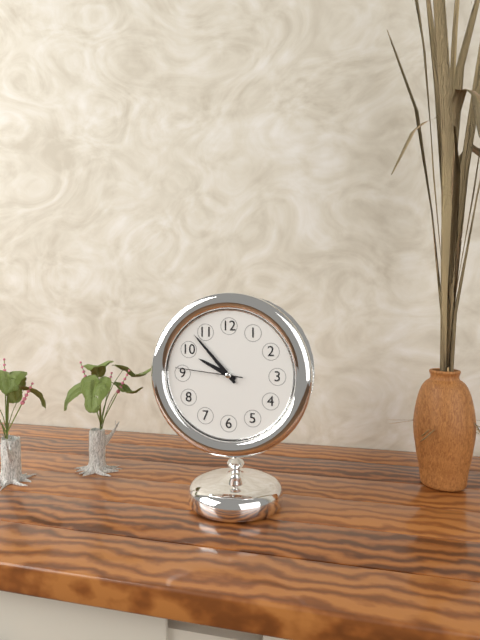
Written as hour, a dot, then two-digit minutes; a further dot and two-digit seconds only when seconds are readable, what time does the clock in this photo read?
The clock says 9.53.46
